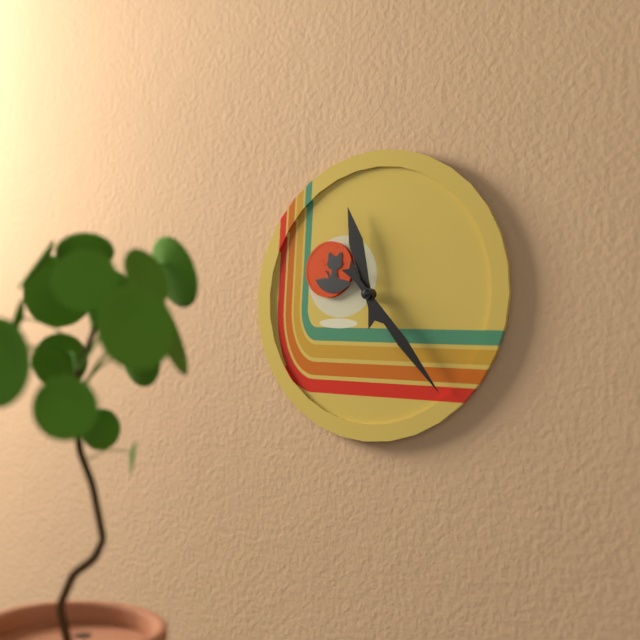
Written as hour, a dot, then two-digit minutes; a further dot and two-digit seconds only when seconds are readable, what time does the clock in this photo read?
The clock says 11.23
